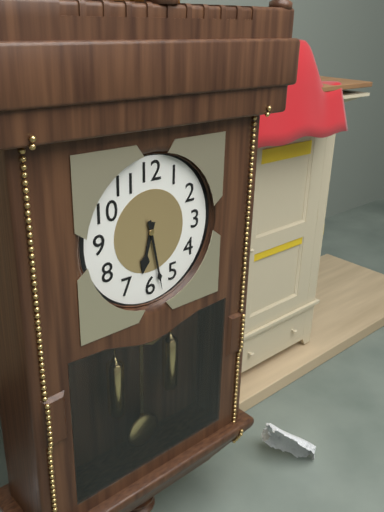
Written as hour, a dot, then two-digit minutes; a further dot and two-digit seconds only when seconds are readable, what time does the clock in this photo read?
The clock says 6.28
